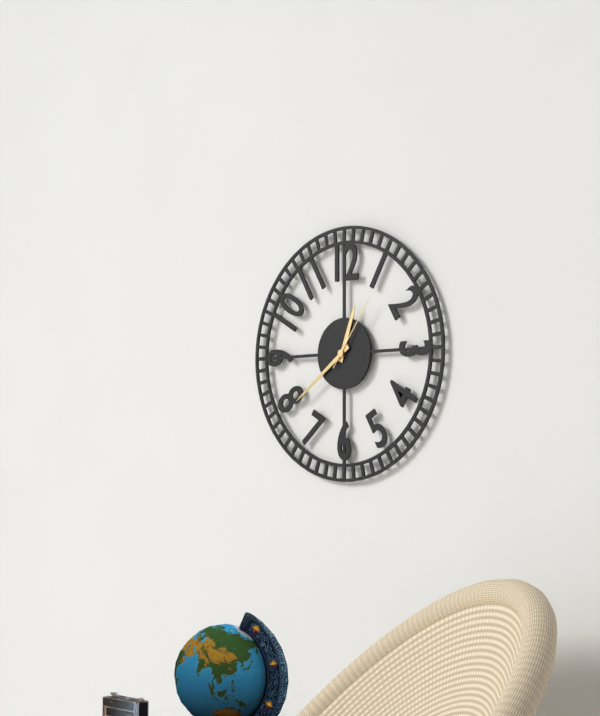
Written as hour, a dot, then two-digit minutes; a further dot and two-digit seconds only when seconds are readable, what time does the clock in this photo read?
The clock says 12.39.06
